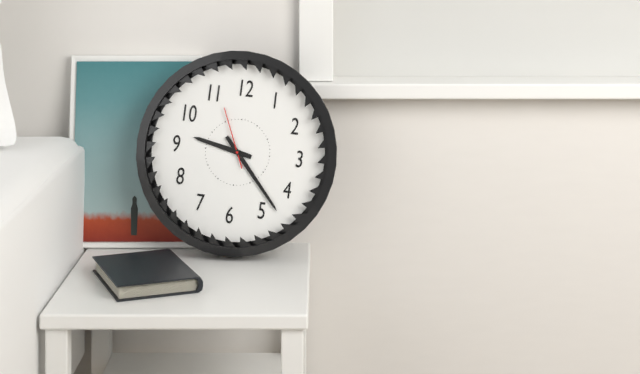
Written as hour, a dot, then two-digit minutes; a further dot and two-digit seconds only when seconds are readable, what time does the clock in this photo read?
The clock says 9.23.56
